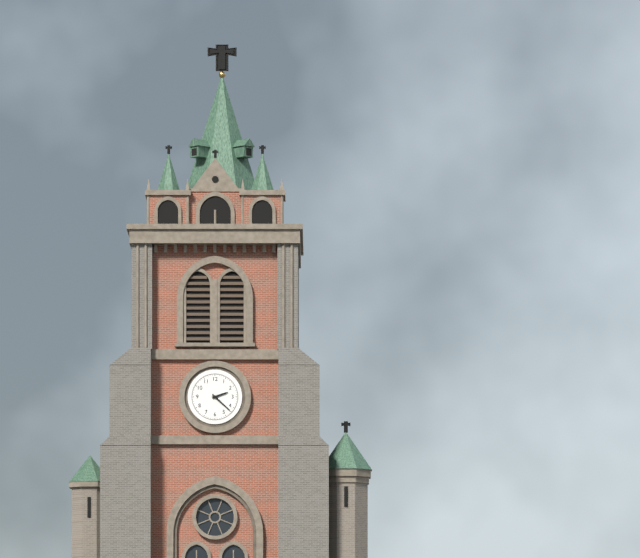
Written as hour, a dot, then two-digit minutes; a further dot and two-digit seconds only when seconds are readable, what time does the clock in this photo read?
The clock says 2.22
